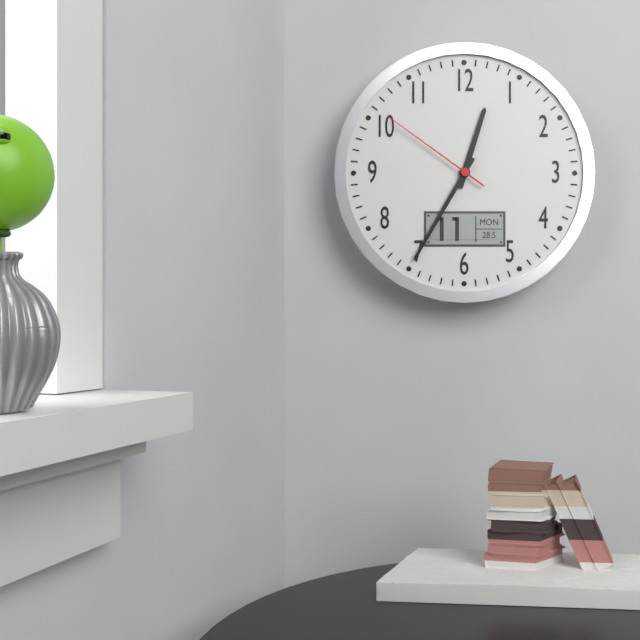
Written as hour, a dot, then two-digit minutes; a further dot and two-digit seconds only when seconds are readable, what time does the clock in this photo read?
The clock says 12.35.51
